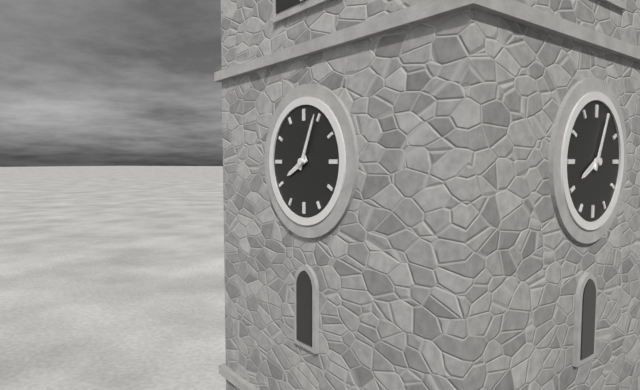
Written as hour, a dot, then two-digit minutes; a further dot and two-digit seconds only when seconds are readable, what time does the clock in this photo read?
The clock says 8.04
